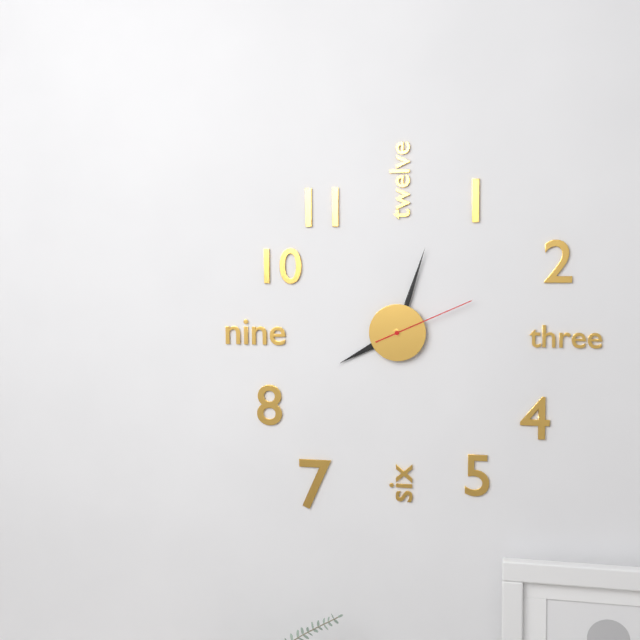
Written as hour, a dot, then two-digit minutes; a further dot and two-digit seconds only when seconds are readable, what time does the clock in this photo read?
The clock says 8.03.11
